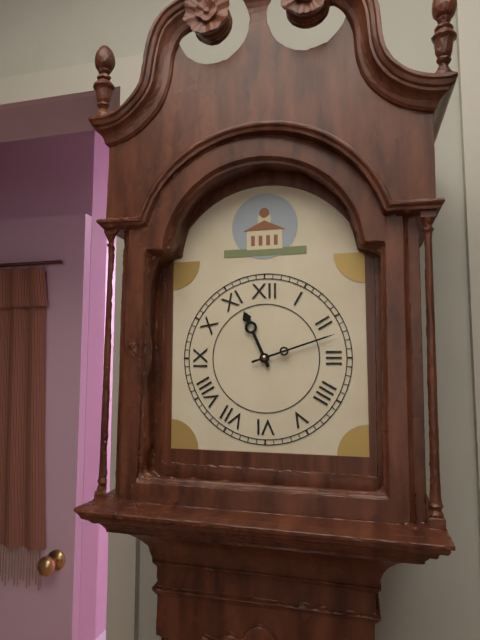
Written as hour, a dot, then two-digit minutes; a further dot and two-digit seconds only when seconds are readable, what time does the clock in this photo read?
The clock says 11.12
